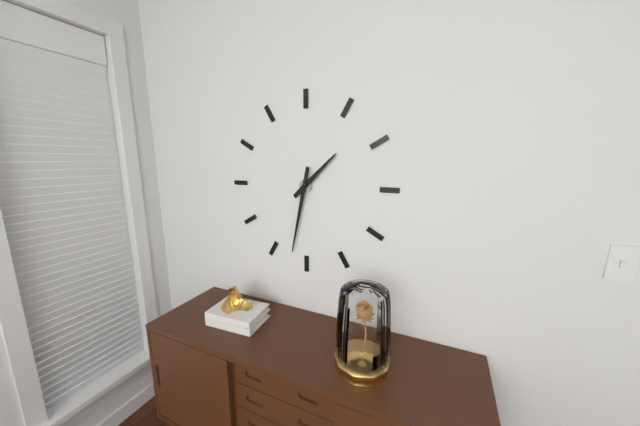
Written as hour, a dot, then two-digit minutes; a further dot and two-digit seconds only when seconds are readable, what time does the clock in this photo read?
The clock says 1.32
